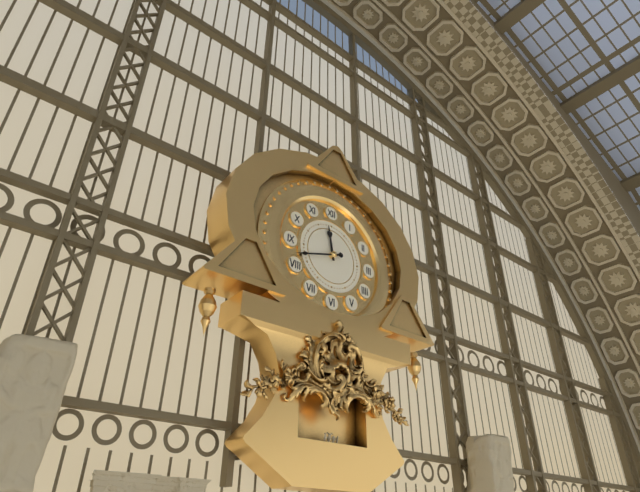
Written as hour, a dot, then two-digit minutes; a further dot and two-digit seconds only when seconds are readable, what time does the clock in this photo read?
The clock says 11.42
